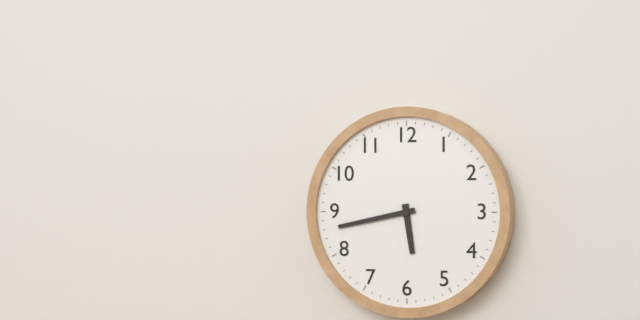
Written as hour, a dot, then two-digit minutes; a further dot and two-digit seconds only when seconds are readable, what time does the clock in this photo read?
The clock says 5.43
